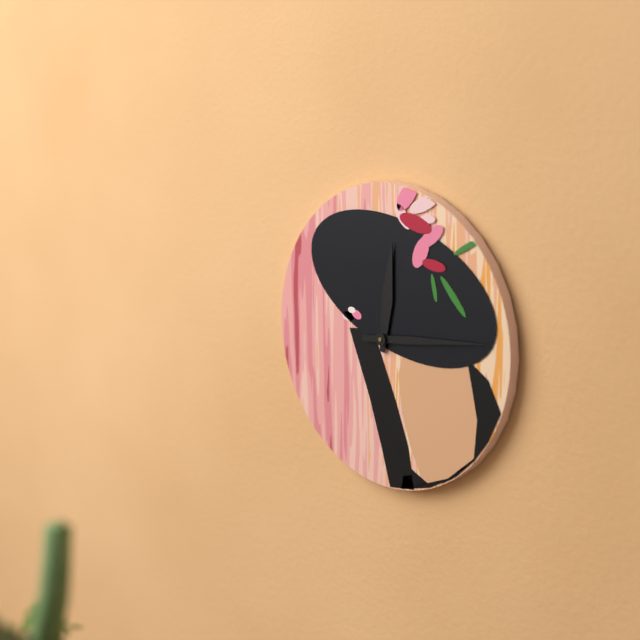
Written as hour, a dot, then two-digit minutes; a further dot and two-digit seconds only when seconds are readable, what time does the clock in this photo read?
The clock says 12.14
